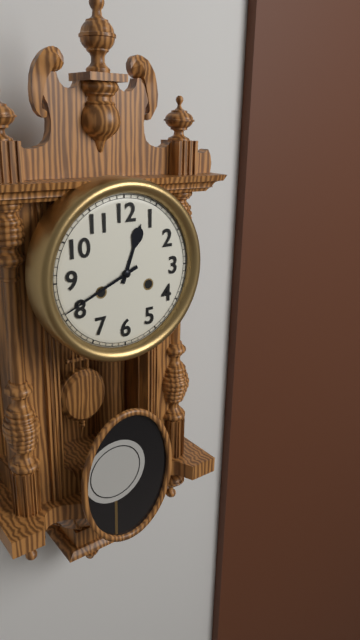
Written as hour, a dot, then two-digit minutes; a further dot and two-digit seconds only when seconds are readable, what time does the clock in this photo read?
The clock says 12.41
